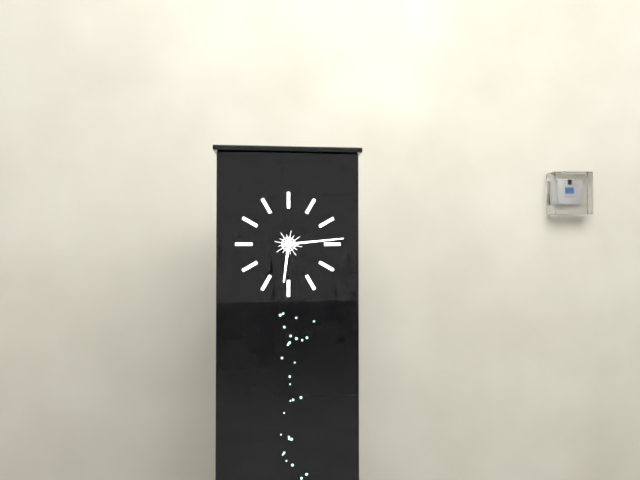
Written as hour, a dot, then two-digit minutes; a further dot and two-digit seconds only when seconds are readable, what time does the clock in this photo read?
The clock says 6.14
